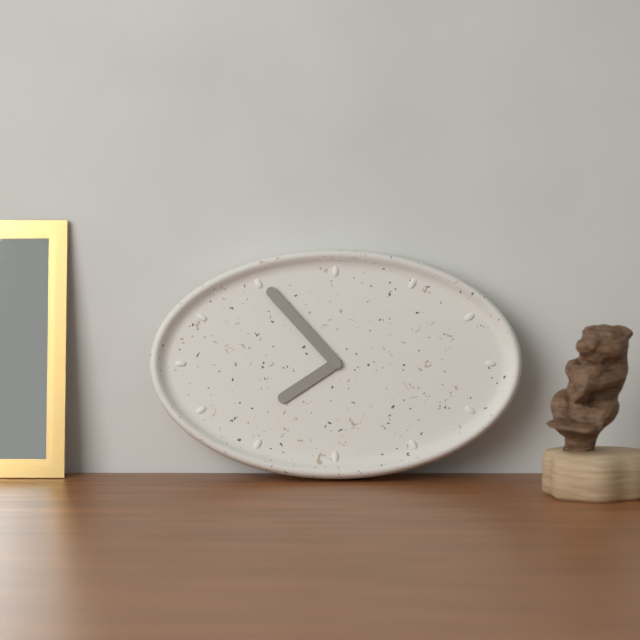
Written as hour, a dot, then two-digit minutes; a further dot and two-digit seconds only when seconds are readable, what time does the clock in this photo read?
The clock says 7.53
